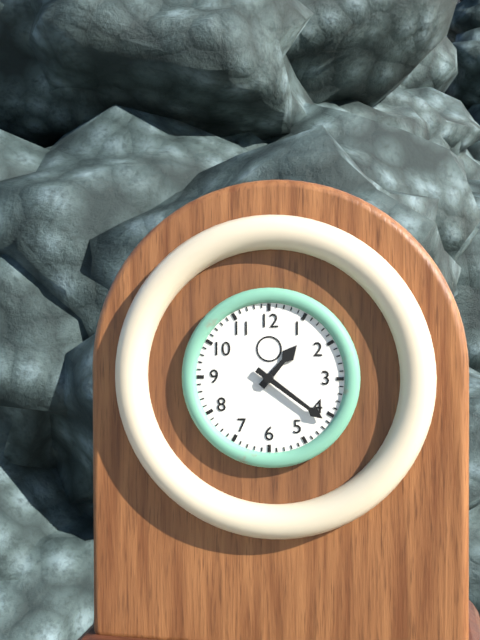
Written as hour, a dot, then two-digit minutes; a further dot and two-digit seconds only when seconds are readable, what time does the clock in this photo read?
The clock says 1.21
